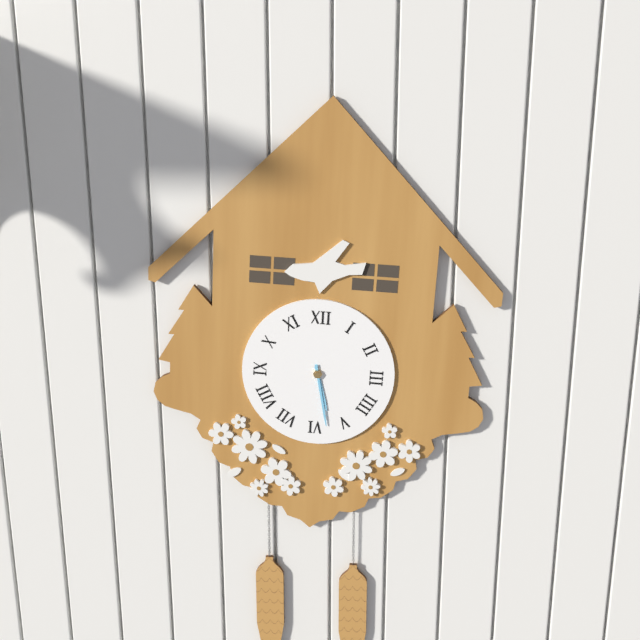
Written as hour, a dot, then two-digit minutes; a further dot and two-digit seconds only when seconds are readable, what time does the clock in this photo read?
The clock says 5.28
